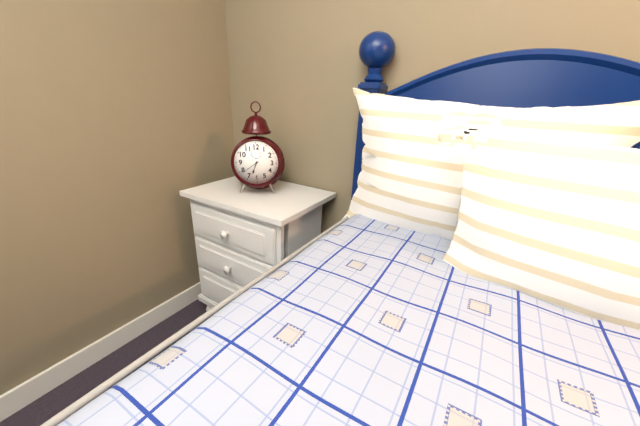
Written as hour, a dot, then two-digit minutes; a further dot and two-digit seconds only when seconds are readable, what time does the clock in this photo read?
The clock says 6.39
